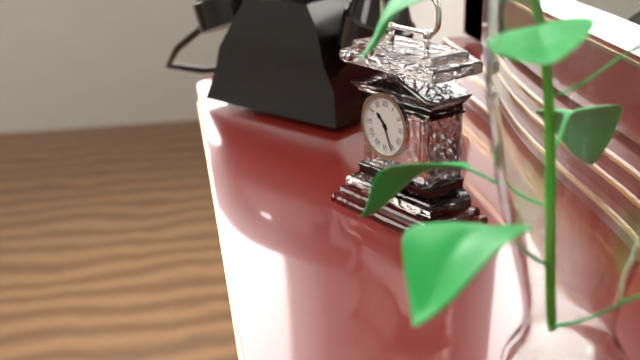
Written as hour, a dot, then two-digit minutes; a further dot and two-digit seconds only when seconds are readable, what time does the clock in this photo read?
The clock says 10.26
